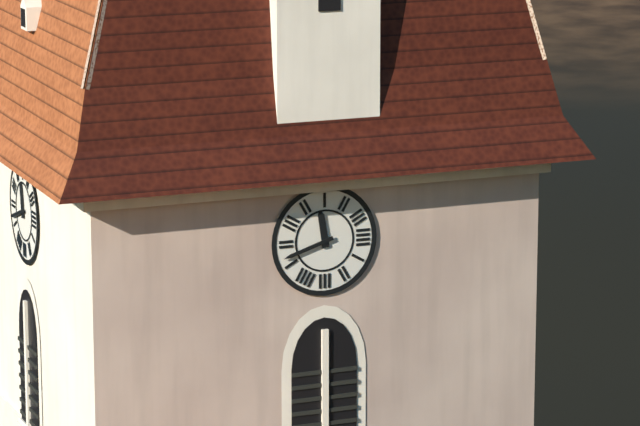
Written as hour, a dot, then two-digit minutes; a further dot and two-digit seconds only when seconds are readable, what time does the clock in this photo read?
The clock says 11.42
